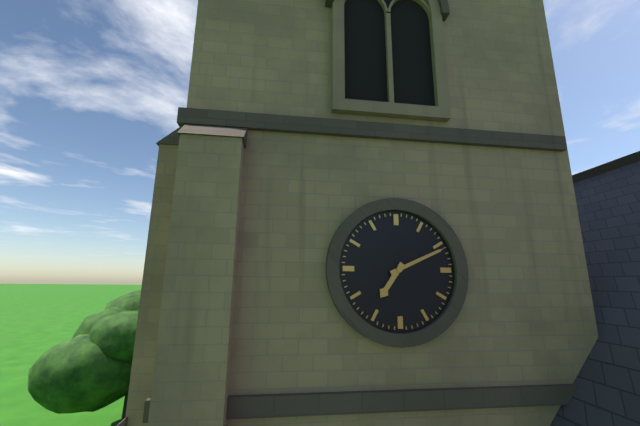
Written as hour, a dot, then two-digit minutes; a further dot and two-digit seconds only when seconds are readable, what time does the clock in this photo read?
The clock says 7.11
